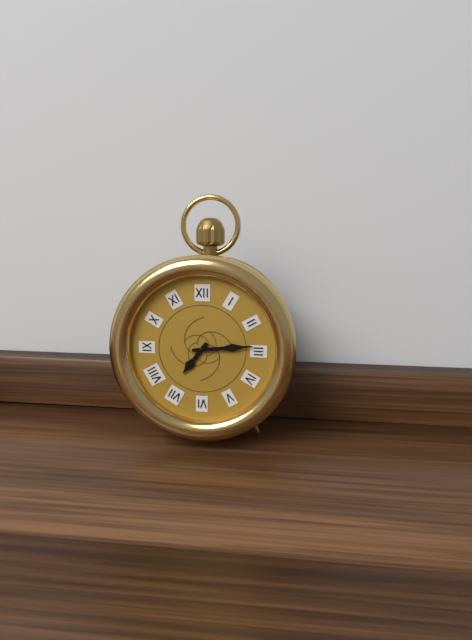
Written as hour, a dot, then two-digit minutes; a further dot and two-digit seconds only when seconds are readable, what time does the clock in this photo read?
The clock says 7.14
